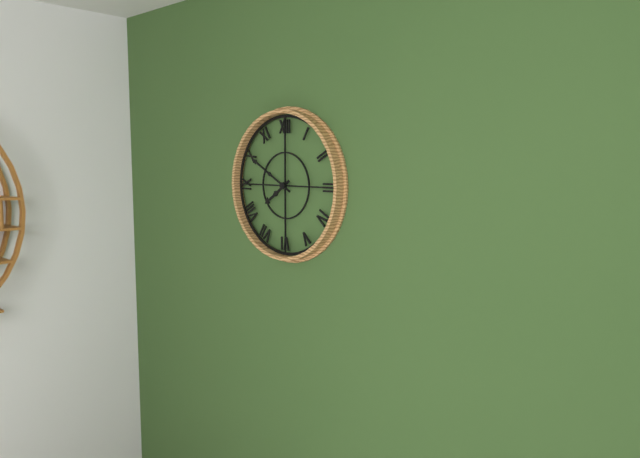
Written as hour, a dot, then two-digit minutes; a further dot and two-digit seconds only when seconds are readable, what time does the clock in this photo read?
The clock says 7.50
